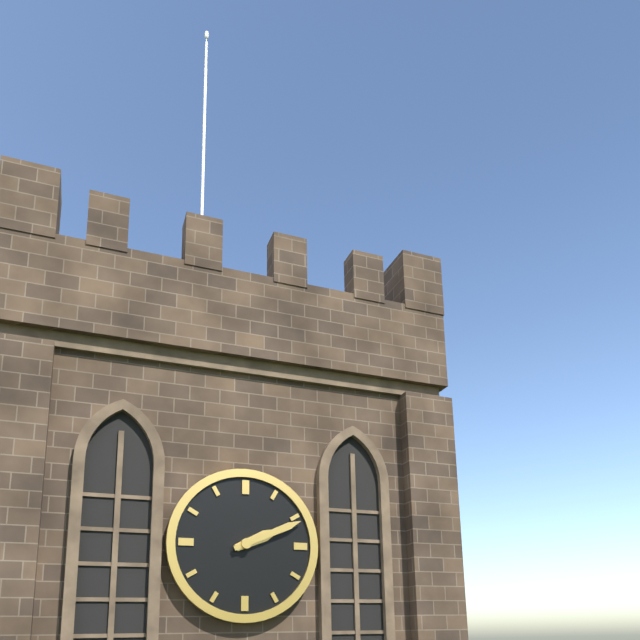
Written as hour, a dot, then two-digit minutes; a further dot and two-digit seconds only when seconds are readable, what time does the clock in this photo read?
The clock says 2.11
